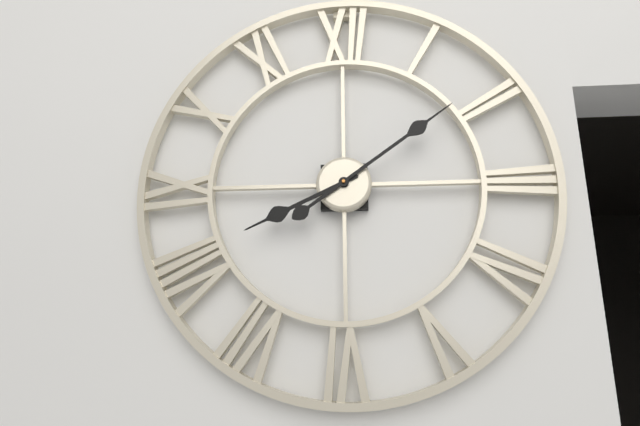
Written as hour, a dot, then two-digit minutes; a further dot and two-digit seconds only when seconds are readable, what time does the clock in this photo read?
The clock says 8.09
